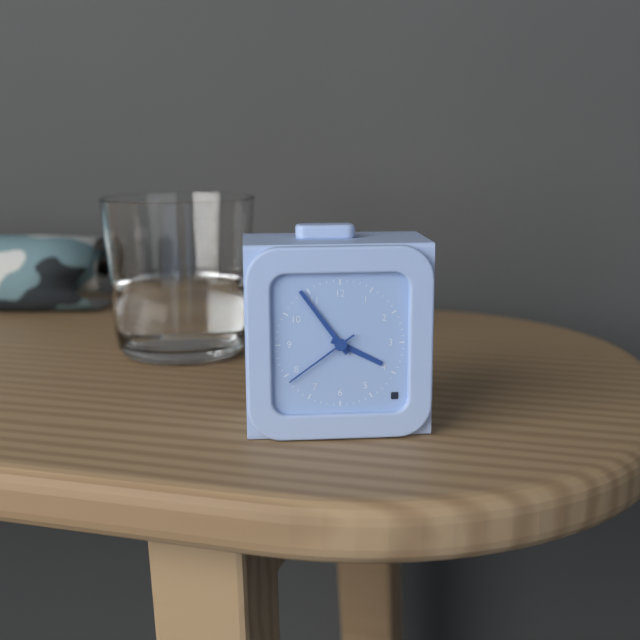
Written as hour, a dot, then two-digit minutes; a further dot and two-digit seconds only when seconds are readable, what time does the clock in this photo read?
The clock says 3.54.39
